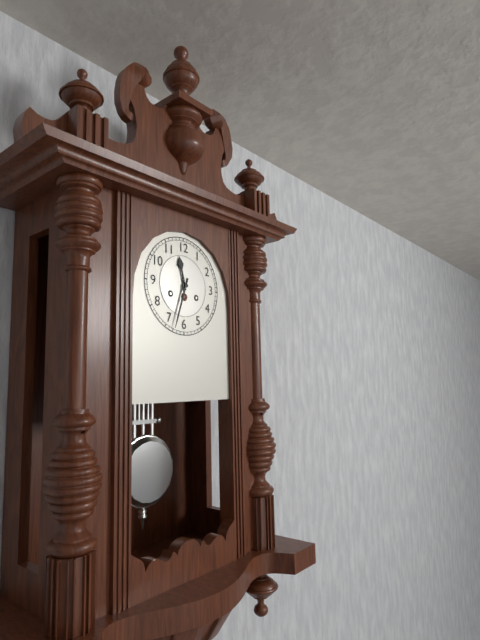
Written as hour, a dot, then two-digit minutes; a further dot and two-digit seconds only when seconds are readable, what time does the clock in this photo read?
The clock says 11.33
